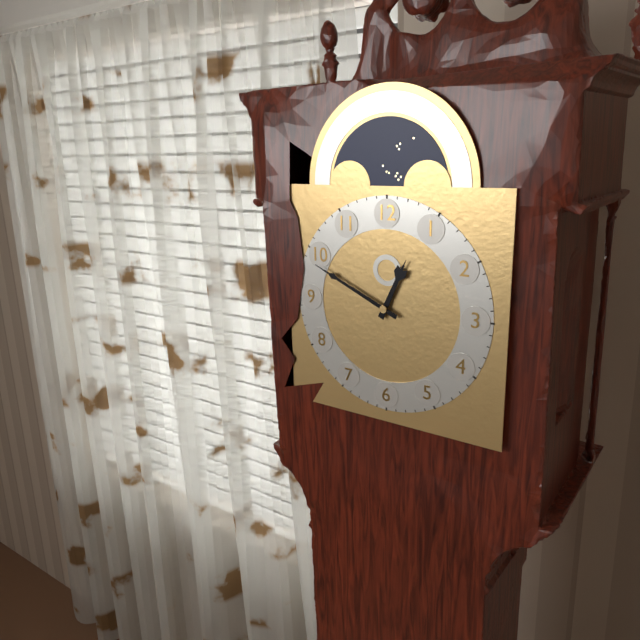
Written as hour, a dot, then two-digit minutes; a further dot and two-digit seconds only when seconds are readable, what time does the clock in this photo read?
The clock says 12.49
